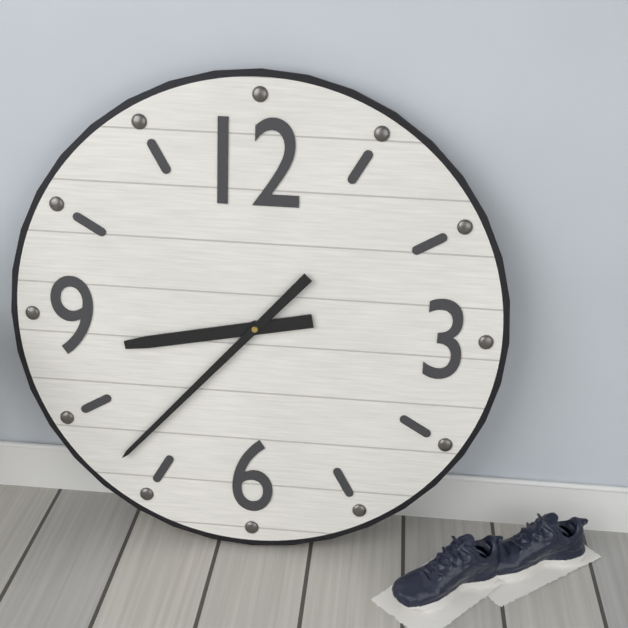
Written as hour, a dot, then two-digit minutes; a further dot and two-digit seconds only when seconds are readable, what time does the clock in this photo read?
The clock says 8.37
